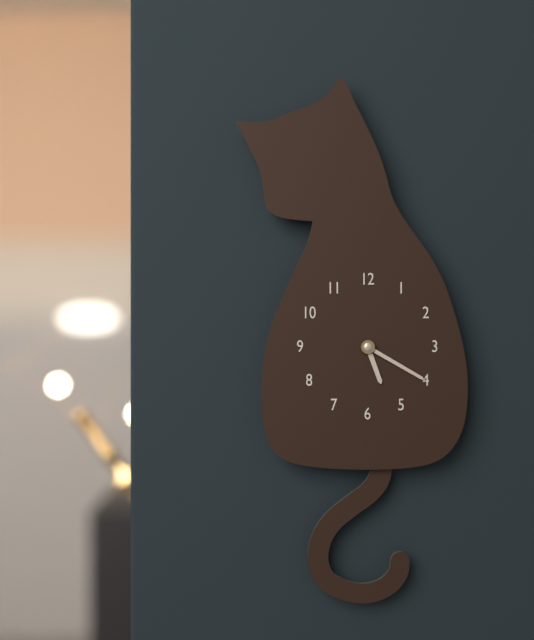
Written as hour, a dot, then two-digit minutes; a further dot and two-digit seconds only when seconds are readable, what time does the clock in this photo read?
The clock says 5.20
